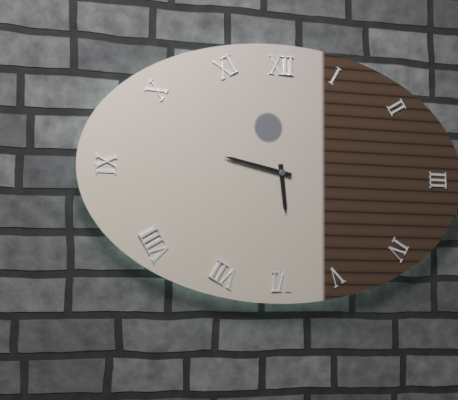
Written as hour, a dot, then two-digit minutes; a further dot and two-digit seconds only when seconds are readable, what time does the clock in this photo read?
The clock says 5.47
